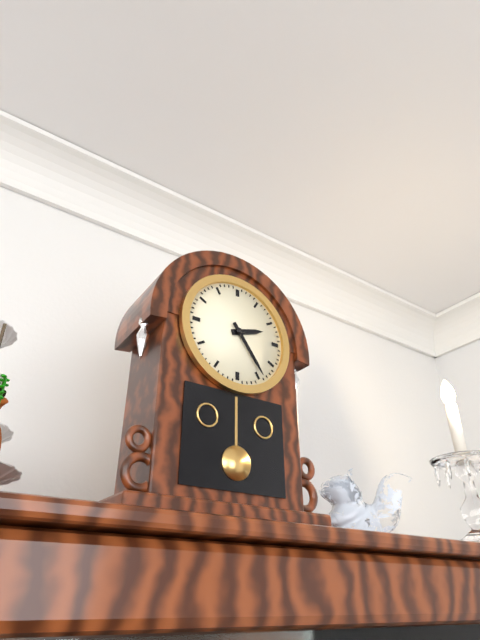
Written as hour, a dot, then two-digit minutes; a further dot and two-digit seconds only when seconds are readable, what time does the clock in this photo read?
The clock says 2.24
